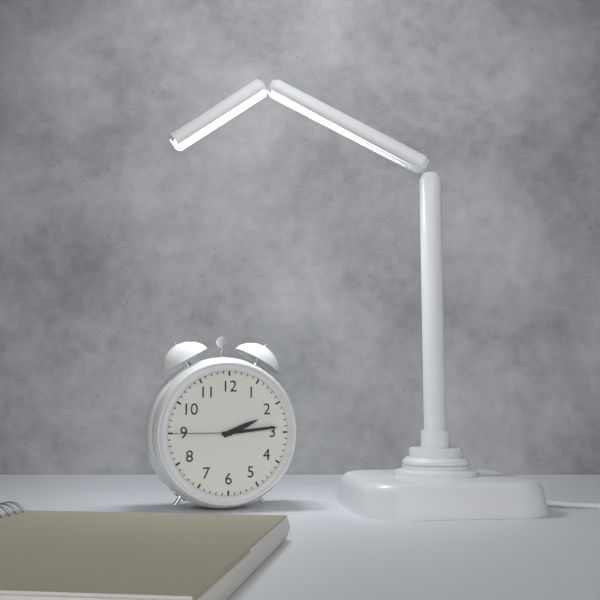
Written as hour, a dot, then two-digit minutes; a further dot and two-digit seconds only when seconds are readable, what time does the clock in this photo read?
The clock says 2.14.45
